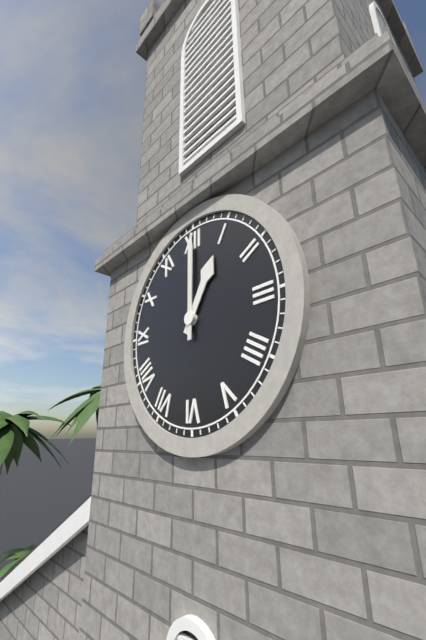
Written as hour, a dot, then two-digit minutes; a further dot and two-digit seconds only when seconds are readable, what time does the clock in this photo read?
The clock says 1.00
